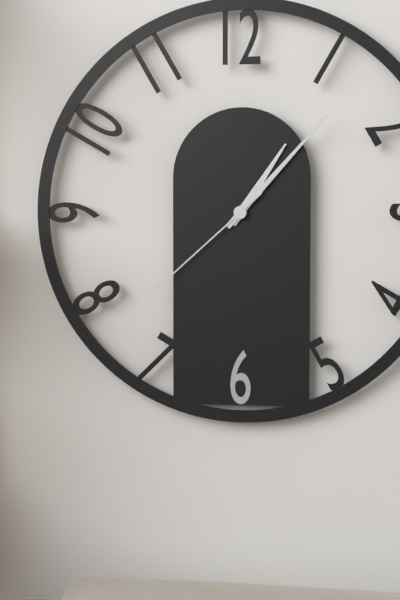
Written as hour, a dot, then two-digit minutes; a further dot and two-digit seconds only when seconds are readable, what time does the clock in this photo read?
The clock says 1.07.38
